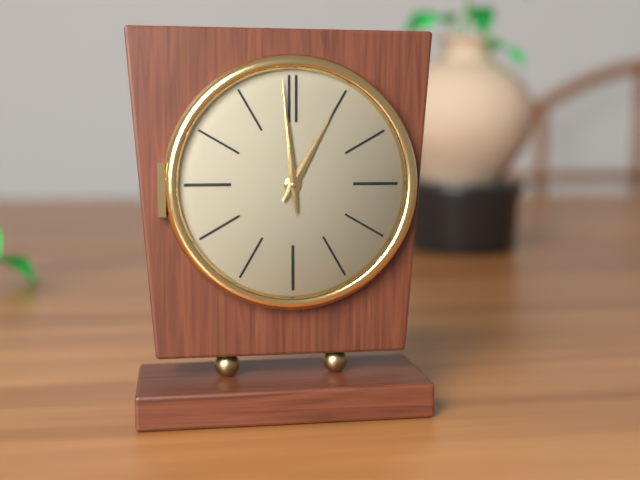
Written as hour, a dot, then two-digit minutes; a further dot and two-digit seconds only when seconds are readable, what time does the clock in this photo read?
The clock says 12.59
